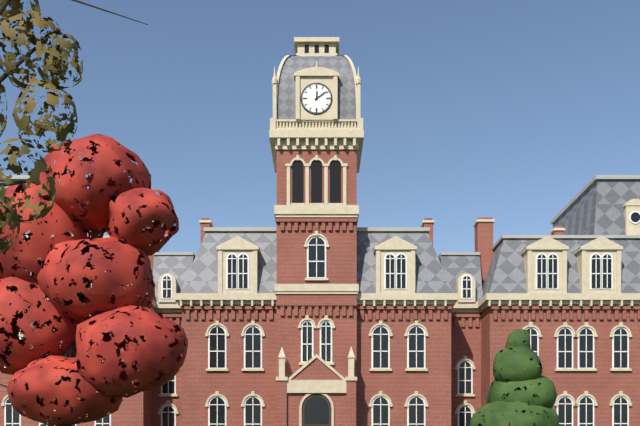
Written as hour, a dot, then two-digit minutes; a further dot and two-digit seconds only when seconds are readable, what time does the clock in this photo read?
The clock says 12.09
